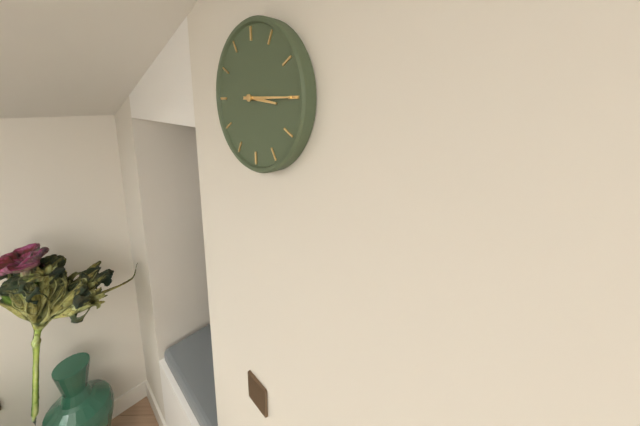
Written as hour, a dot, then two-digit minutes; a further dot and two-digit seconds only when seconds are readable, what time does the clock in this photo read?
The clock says 3.15
